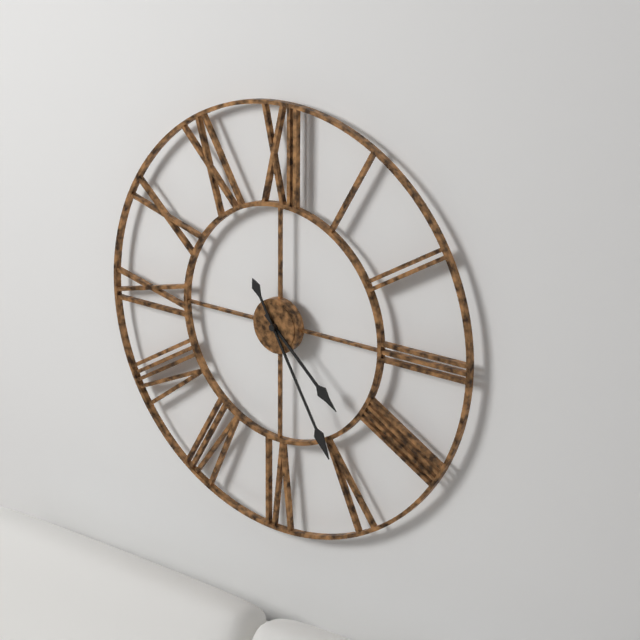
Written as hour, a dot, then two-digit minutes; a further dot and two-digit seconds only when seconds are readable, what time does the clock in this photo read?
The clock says 4.25
